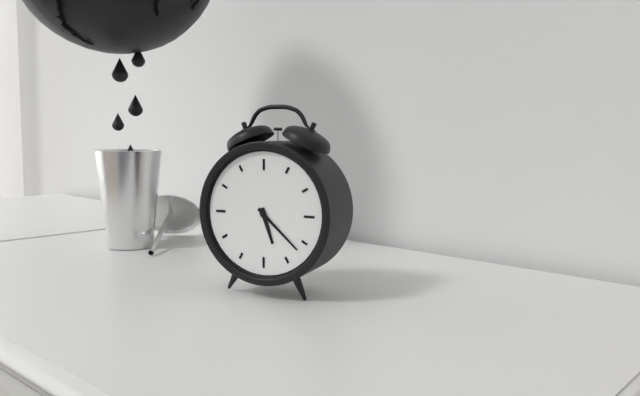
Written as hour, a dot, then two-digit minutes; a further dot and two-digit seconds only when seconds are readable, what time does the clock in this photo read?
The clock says 5.22
